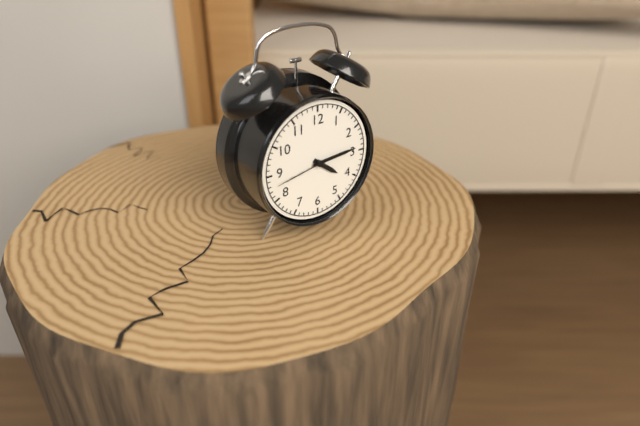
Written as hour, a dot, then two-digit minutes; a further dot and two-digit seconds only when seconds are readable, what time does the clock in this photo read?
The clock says 4.14.43
